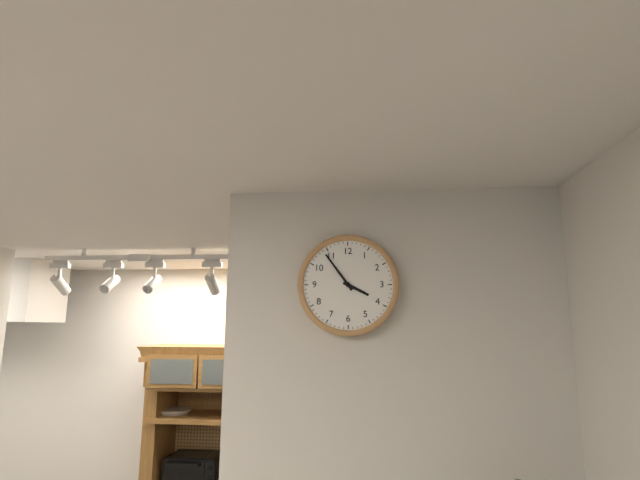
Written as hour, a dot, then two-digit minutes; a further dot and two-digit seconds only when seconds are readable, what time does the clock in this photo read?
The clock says 3.54
